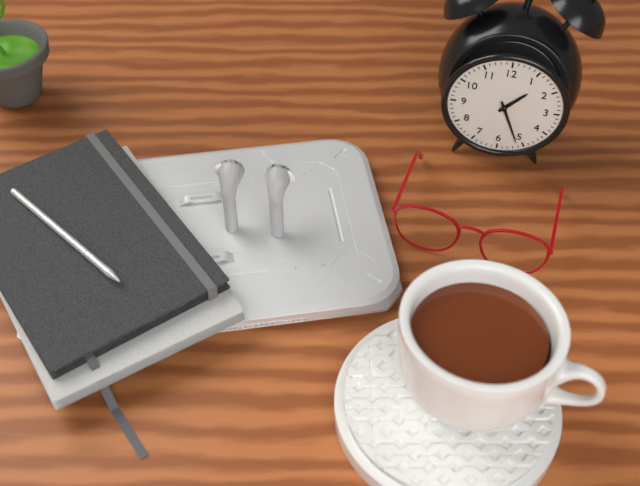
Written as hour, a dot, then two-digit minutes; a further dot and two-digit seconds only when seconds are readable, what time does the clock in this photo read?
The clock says 1.26
